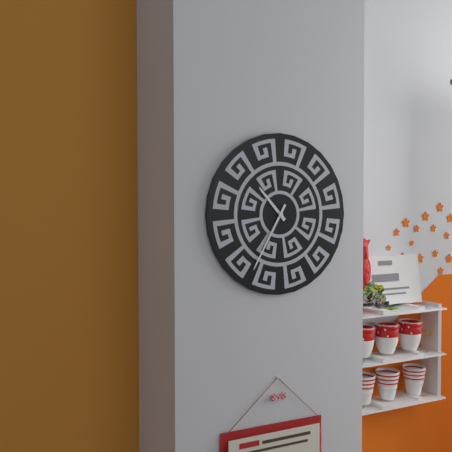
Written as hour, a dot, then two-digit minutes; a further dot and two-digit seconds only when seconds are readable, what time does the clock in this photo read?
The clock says 10.35
